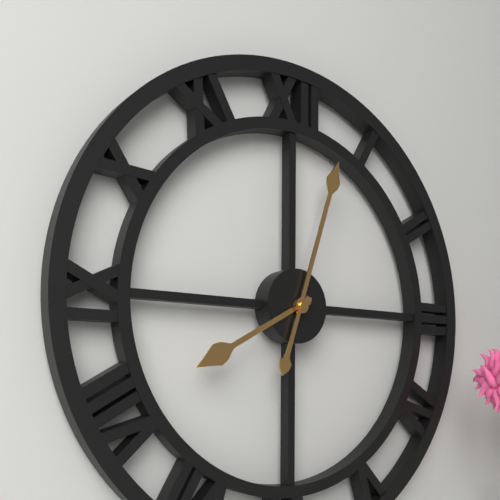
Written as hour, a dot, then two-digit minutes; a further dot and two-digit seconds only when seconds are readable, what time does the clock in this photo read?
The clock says 8.03
